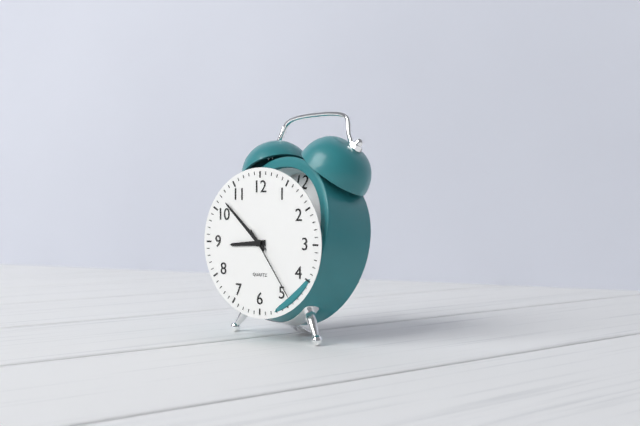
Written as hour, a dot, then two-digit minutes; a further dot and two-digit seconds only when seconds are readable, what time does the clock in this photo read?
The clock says 8.52.24
